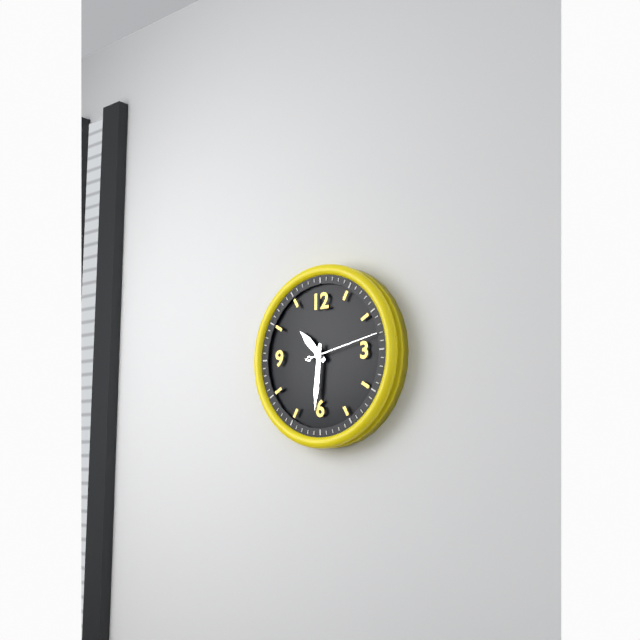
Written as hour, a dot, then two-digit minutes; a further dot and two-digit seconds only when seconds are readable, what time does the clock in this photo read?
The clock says 10.31.13
